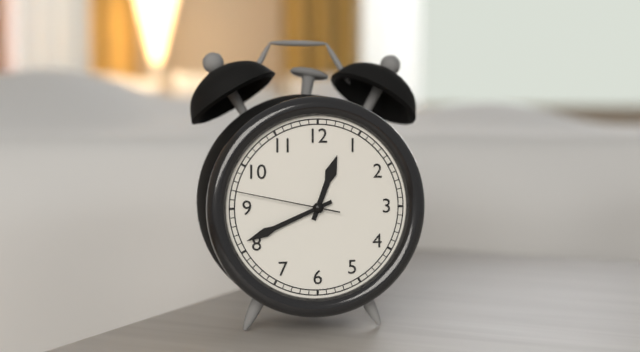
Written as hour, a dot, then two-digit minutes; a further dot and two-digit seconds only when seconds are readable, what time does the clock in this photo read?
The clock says 12.41.47
